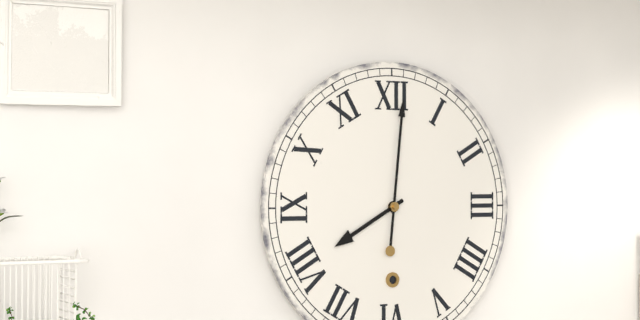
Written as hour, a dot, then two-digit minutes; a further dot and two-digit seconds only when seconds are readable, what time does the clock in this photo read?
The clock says 8.01
